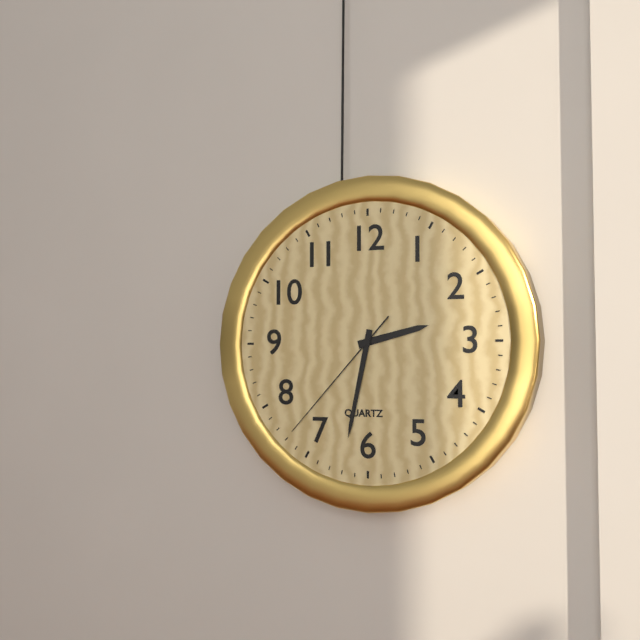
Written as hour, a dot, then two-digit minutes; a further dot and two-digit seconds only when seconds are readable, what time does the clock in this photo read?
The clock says 2.32.37
